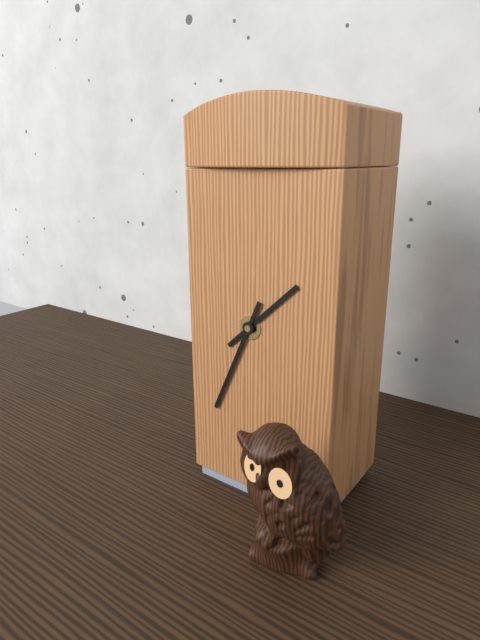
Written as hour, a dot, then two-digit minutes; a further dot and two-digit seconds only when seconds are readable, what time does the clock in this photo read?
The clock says 1.34
